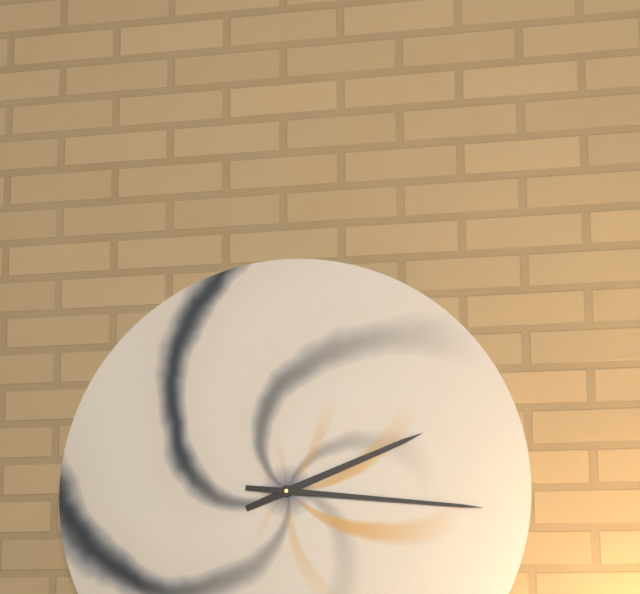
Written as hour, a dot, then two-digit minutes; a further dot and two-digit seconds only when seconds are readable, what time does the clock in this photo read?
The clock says 2.16
